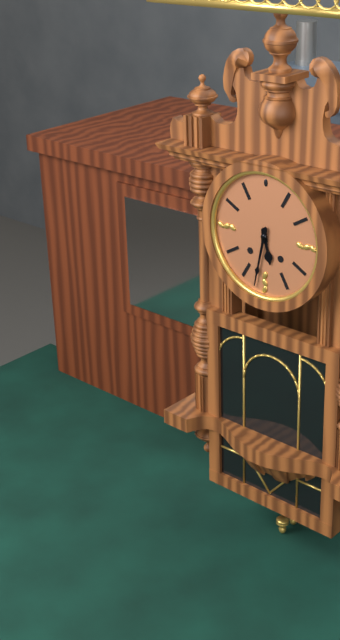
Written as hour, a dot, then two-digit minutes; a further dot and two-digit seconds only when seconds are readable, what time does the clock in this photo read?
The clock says 5.32
